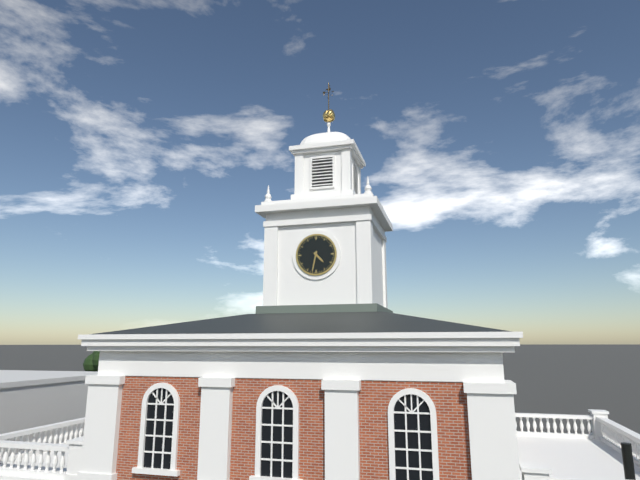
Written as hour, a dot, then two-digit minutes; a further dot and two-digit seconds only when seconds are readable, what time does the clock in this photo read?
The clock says 4.32
